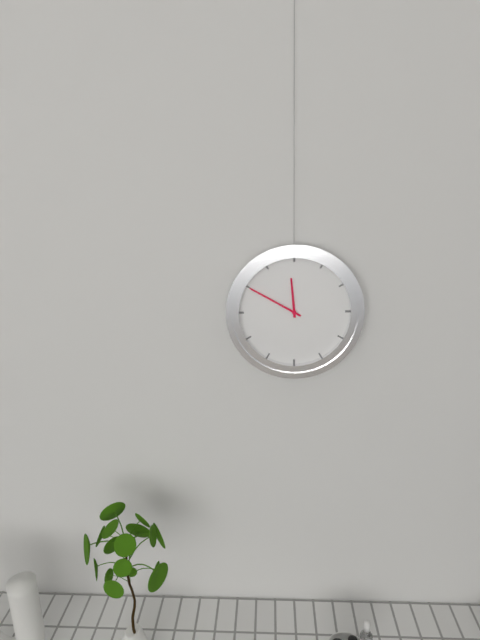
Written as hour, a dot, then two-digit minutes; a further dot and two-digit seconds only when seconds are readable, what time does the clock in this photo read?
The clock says 11.50
